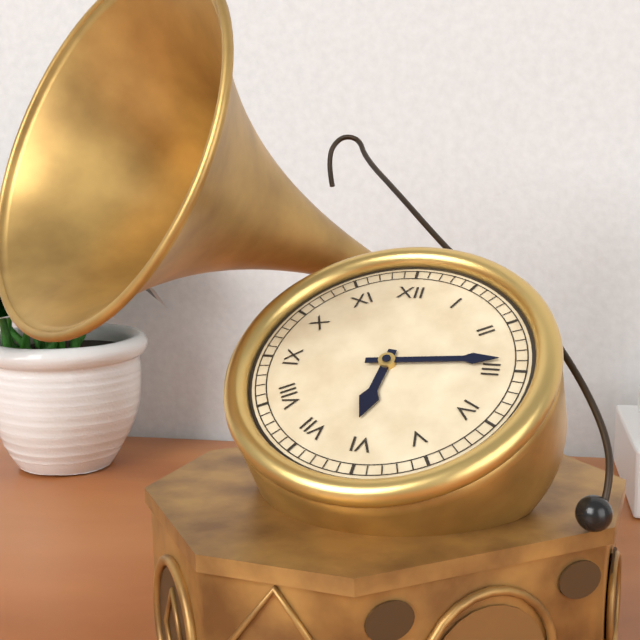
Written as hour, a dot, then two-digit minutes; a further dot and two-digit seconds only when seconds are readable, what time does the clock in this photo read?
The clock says 6.14
